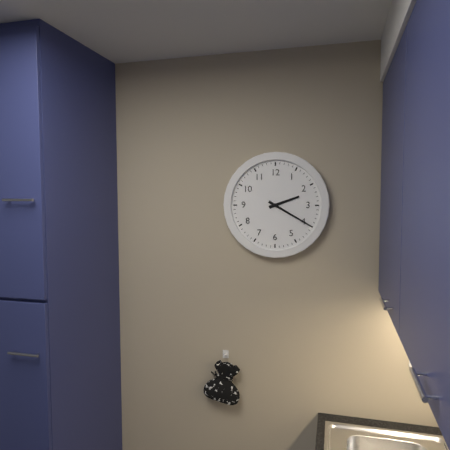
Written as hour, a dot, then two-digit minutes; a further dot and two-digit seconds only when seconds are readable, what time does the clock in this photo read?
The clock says 2.20
